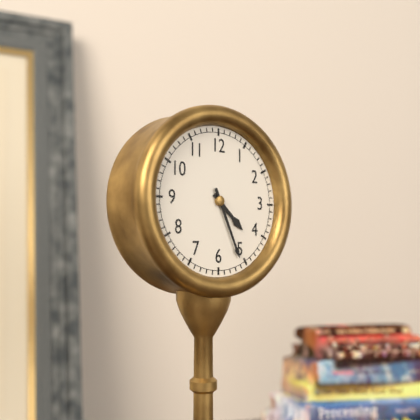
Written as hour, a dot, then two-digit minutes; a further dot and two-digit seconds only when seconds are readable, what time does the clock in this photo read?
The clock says 4.26
